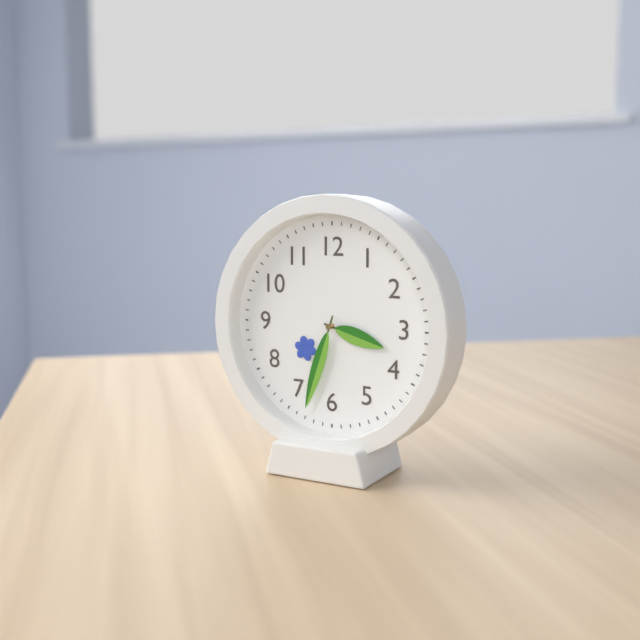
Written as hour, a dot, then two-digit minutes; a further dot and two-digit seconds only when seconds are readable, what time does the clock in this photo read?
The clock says 3.33
